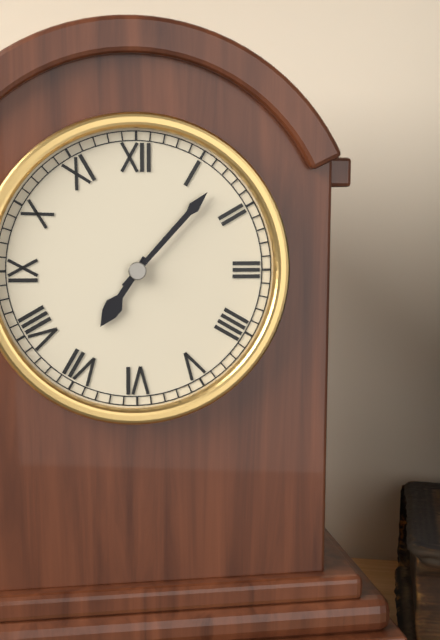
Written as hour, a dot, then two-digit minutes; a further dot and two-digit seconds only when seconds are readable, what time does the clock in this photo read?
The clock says 7.07
